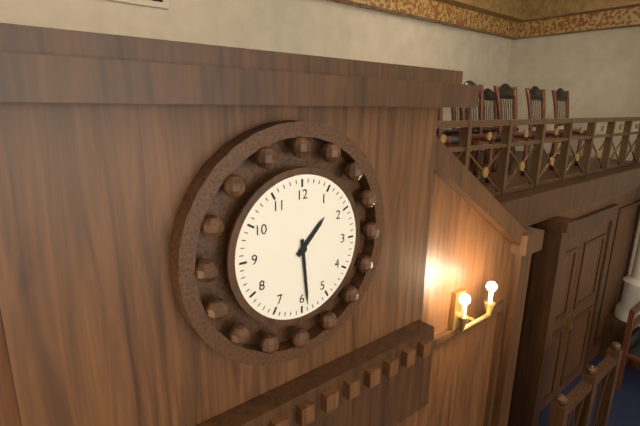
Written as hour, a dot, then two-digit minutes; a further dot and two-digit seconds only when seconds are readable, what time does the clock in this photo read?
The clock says 1.29
